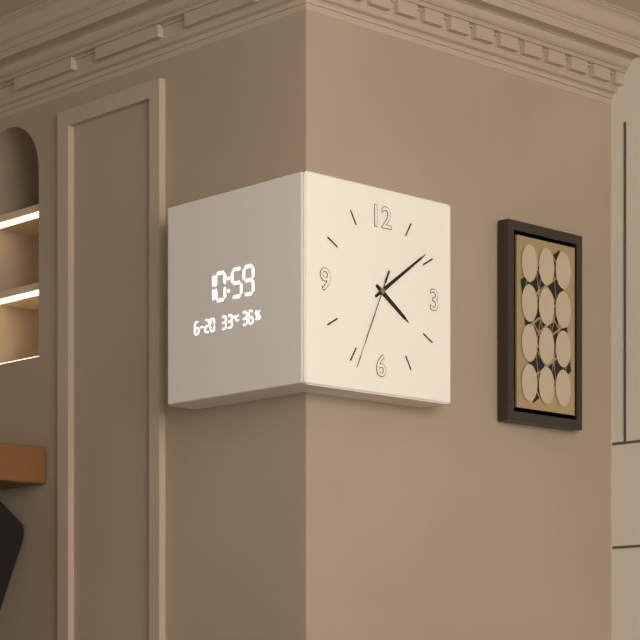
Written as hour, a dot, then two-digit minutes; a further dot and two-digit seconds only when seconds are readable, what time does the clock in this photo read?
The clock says 4.09.34
